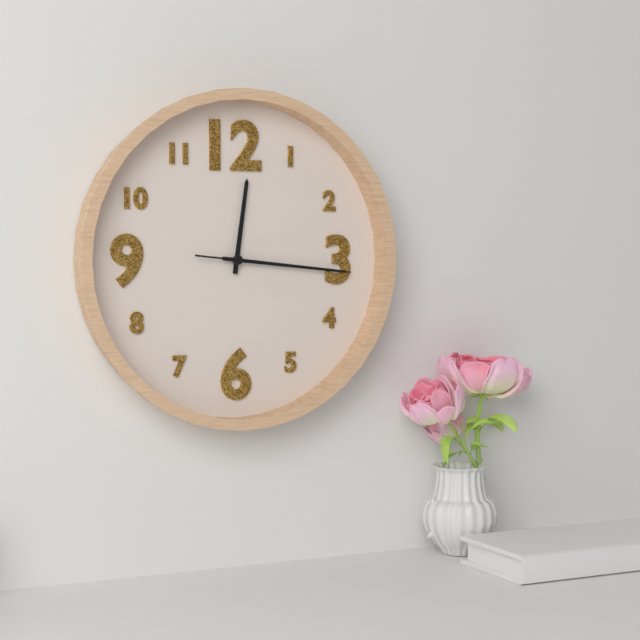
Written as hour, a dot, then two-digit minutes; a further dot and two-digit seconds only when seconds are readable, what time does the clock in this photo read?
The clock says 12.16.16
